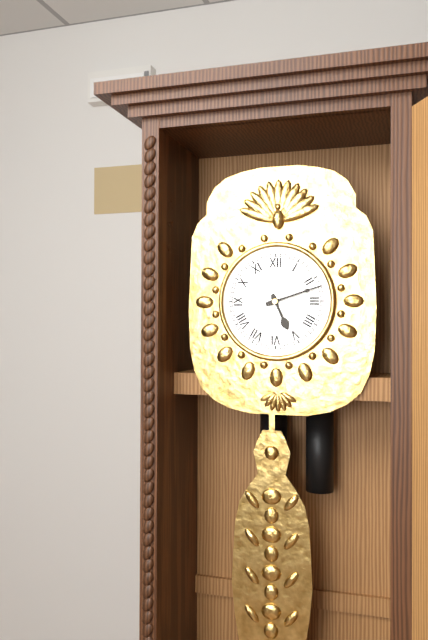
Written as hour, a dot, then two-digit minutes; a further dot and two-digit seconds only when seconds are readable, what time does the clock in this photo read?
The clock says 5.12
